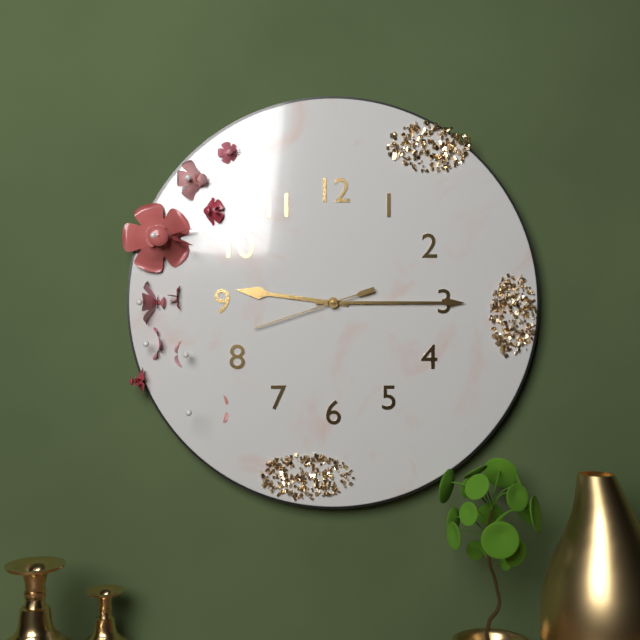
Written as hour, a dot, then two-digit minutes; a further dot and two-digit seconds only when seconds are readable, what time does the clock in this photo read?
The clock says 9.15.42
